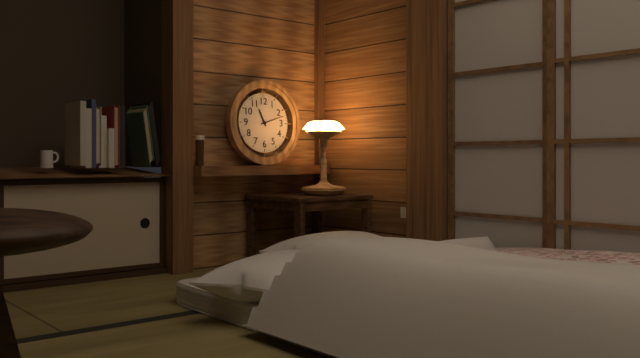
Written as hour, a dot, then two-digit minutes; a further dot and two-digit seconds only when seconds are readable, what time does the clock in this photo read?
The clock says 11.12
